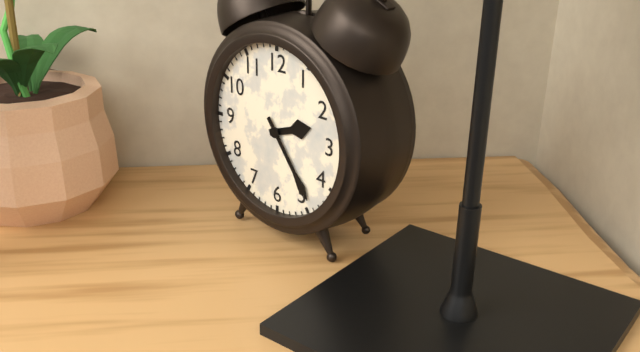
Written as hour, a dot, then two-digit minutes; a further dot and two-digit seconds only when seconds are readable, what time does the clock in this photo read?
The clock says 2.24
